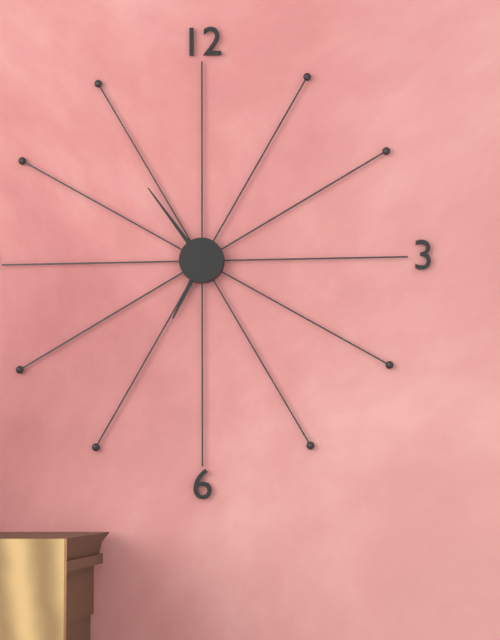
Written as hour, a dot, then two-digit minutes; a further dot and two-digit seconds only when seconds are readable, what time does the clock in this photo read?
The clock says 6.54
